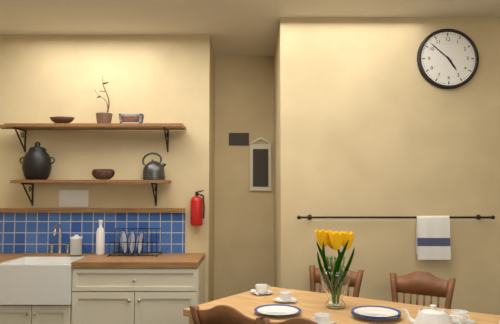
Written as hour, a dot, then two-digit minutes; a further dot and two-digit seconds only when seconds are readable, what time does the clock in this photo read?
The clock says 4.52
